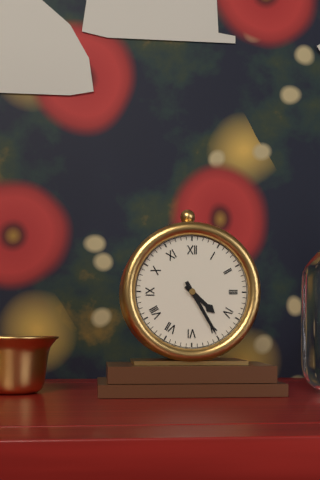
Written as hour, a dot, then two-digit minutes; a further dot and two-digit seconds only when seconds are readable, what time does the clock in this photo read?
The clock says 4.25
